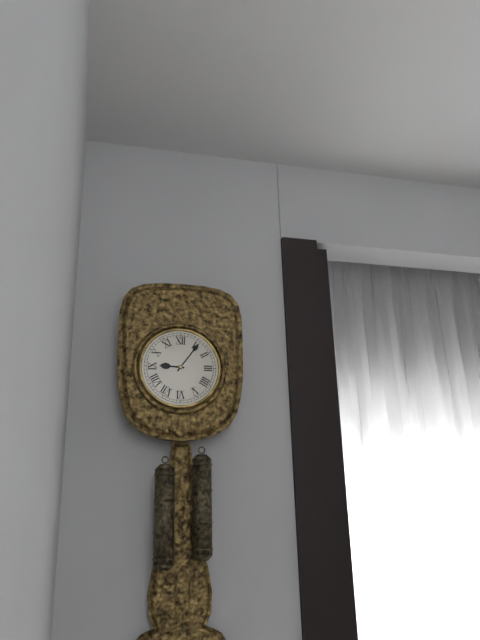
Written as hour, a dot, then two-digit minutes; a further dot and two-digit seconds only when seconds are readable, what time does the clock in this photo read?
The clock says 9.06
